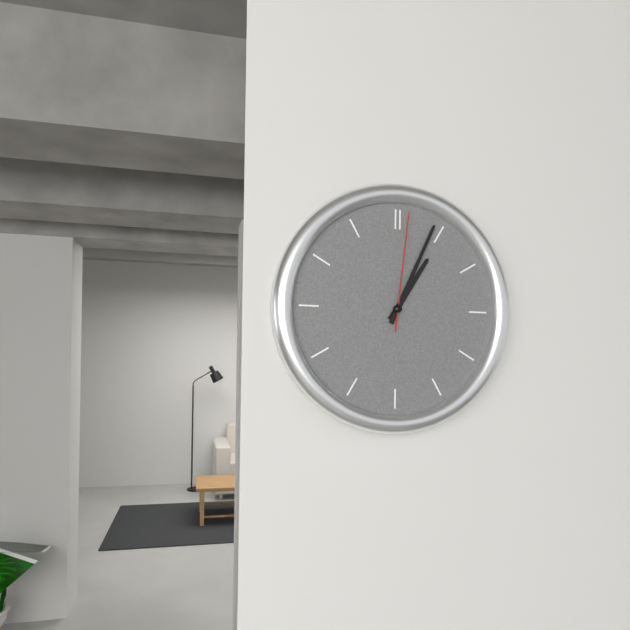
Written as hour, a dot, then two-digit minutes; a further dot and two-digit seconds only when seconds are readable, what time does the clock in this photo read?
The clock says 1.04.01
